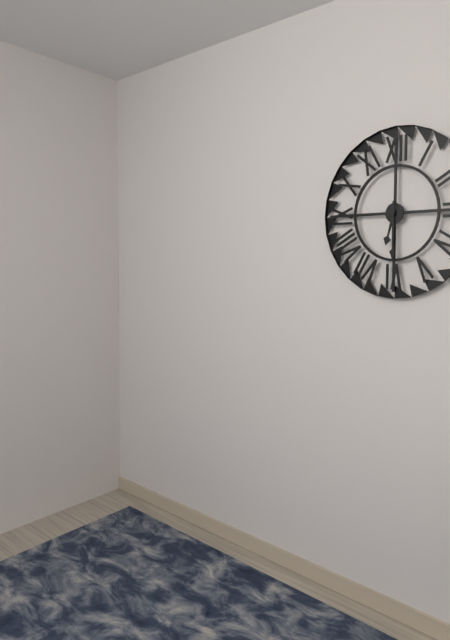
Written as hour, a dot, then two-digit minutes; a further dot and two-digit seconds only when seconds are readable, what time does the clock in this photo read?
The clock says 6.30
